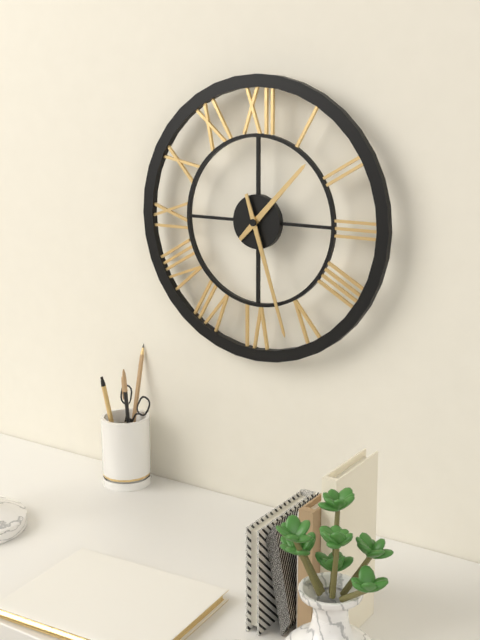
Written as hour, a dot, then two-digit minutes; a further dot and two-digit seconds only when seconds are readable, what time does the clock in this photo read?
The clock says 1.27
